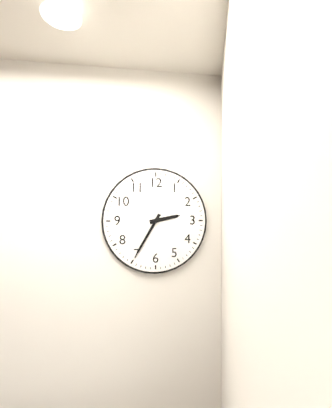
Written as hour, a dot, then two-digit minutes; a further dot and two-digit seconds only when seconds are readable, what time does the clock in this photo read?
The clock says 2.35
